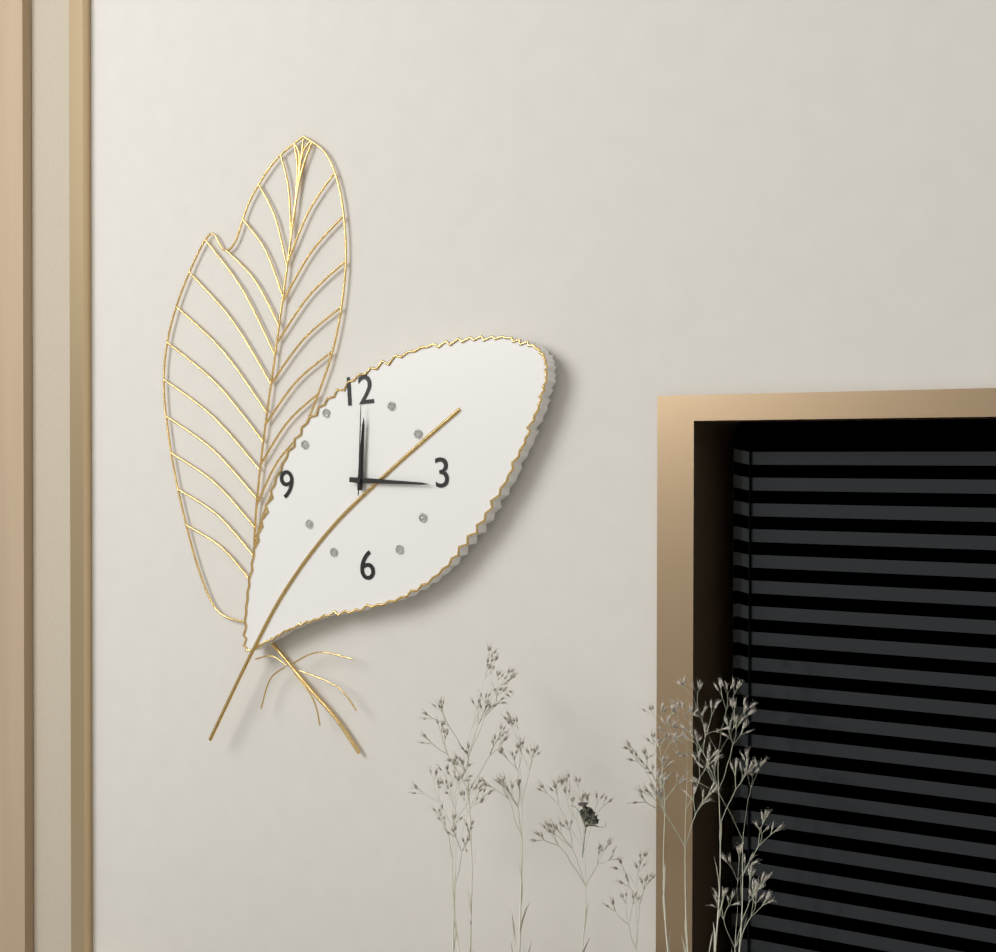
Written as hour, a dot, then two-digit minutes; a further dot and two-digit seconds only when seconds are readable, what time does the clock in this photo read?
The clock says 12.16.01
